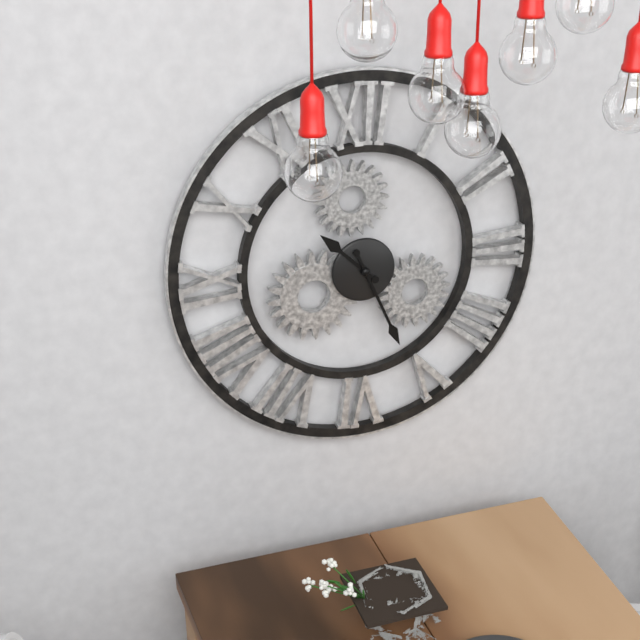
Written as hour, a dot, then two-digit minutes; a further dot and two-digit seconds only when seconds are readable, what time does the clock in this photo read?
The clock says 10.26
